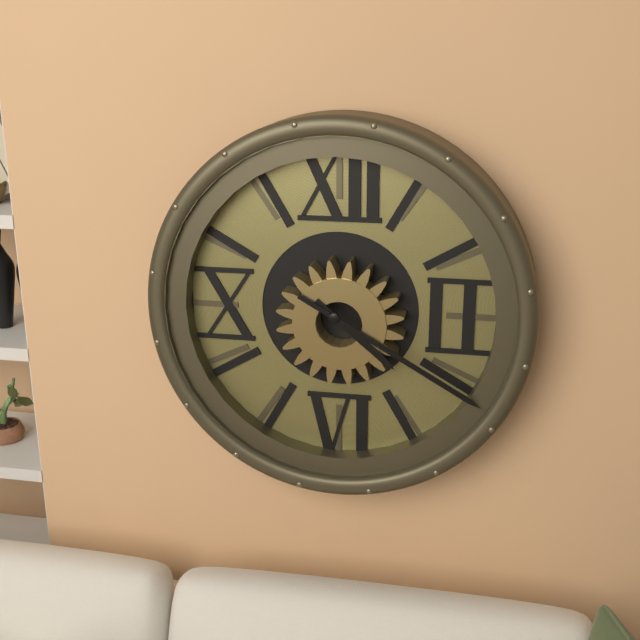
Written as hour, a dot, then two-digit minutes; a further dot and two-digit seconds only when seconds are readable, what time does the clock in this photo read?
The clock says 4.20
